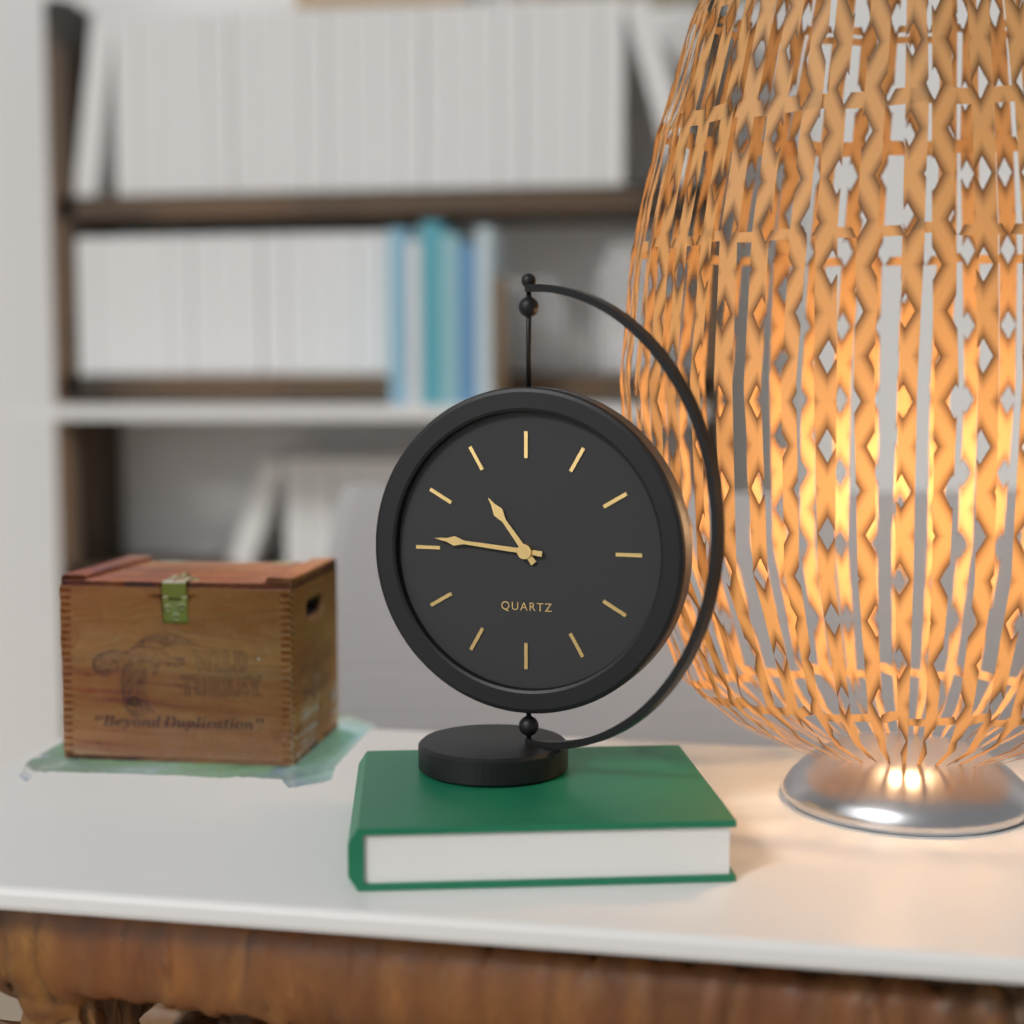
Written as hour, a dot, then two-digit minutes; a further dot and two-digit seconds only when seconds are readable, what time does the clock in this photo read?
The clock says 10.46
